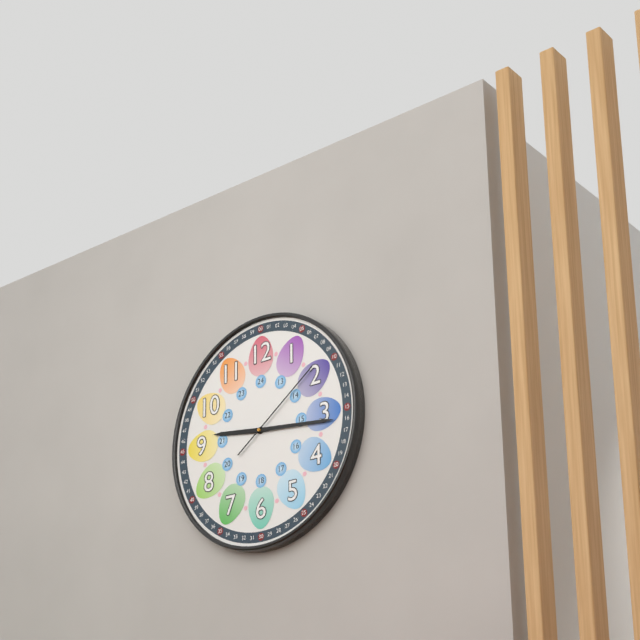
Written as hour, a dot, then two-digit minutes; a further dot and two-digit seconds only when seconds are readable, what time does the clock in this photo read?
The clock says 9.16.09
